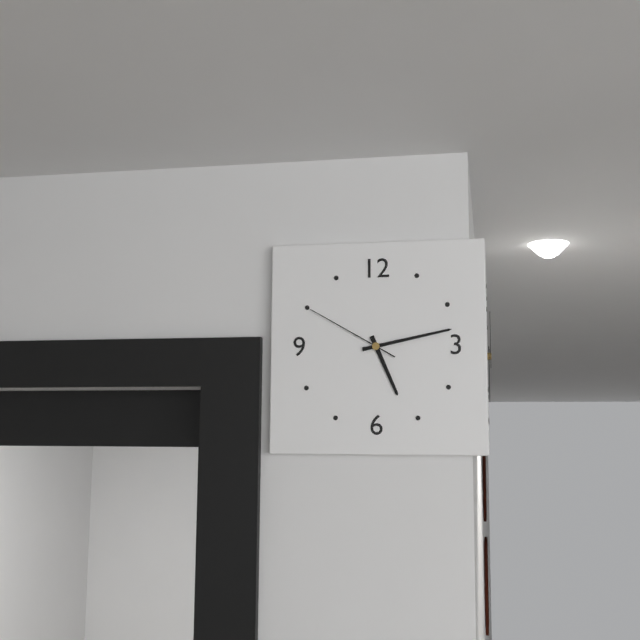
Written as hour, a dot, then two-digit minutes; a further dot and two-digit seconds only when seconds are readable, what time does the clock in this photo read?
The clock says 5.13.50
